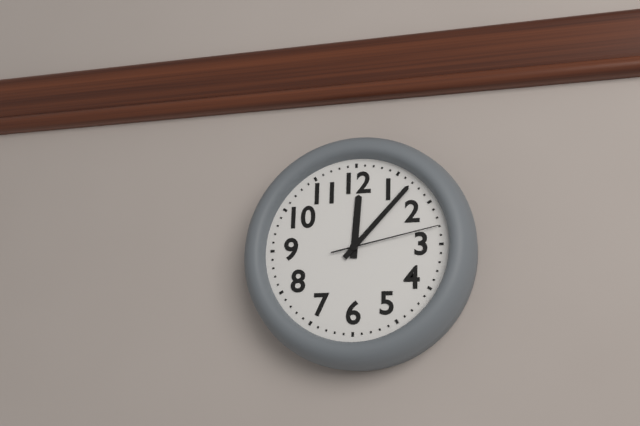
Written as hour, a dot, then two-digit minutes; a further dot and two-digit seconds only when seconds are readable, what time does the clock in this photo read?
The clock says 12.07.13
